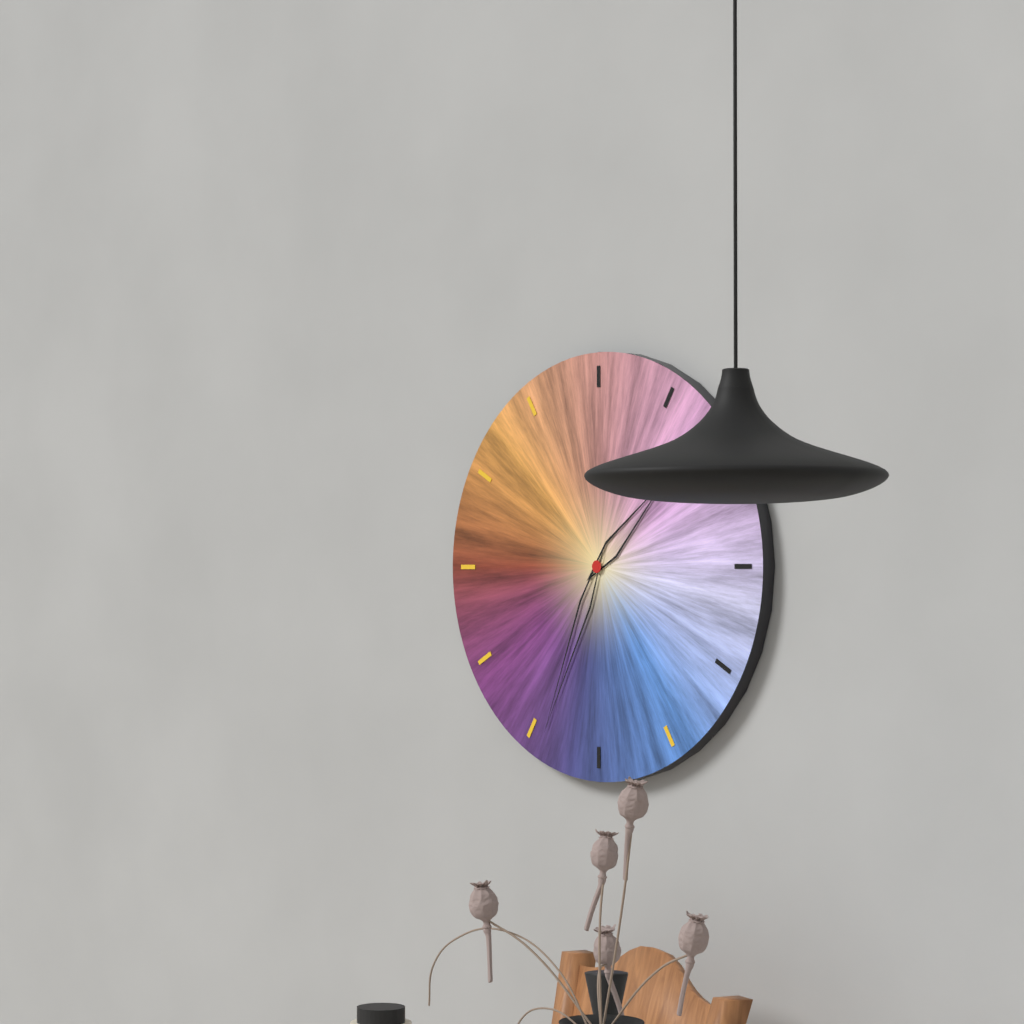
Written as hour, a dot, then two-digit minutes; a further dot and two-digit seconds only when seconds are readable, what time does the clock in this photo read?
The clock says 1.34
